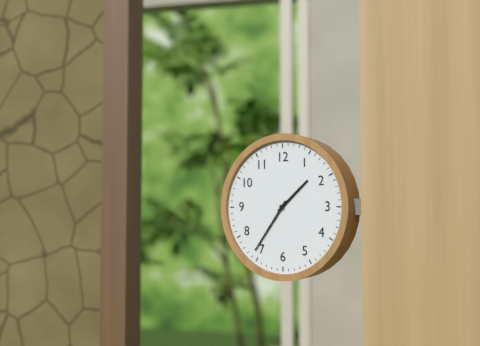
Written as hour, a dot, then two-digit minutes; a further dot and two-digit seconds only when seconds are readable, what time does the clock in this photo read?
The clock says 1.36
